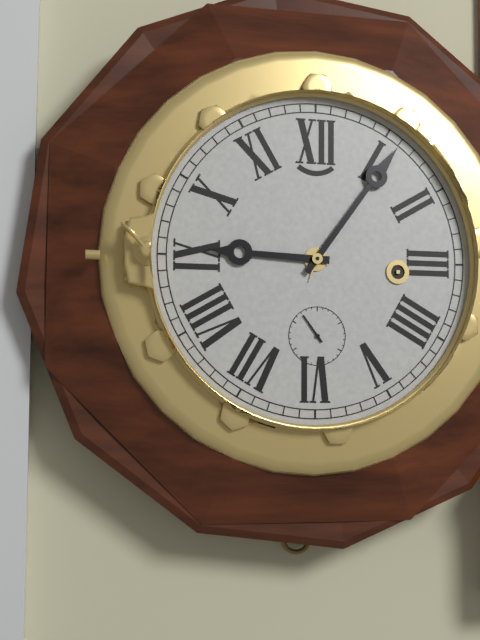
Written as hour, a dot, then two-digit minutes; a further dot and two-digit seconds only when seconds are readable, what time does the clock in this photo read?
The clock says 9.06
